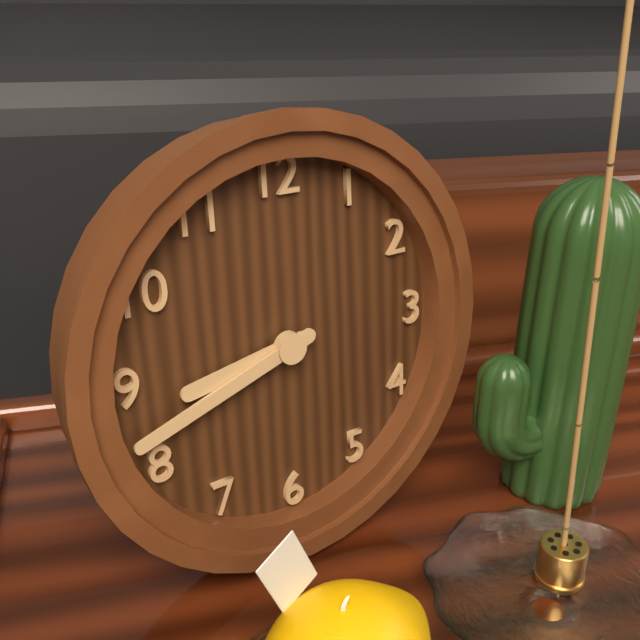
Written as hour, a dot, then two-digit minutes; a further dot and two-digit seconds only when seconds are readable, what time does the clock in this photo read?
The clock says 8.42
